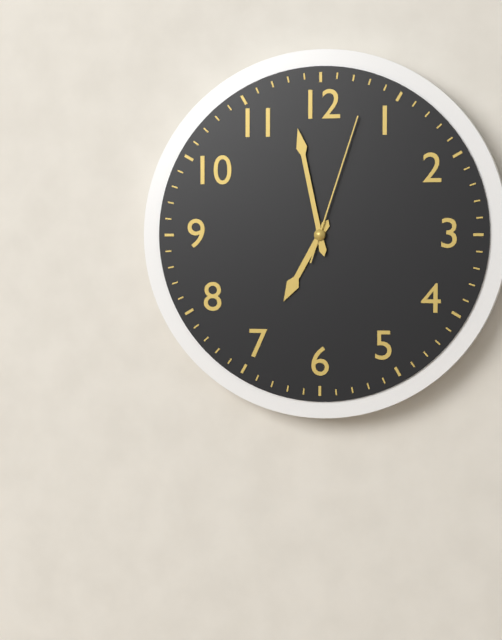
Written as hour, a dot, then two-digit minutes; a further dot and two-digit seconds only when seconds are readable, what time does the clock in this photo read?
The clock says 6.58.03
